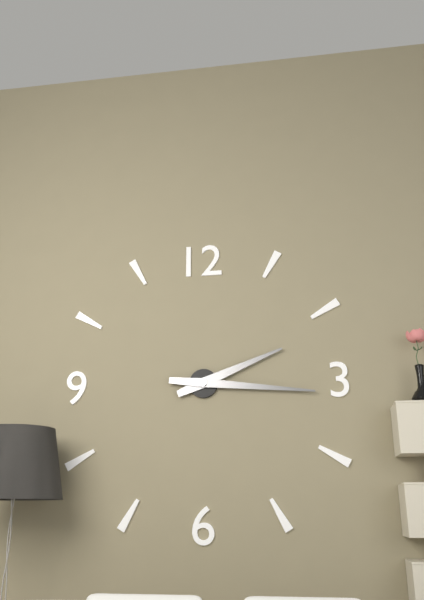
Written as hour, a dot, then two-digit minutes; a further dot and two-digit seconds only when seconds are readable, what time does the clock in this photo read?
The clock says 2.16
